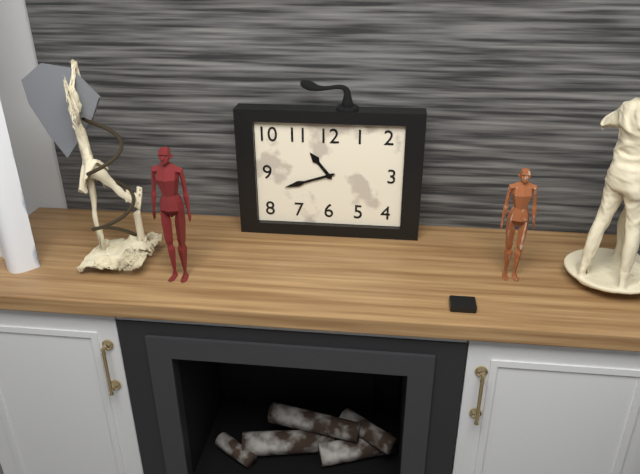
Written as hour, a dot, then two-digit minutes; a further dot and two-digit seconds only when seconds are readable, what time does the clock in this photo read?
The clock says 10.42
